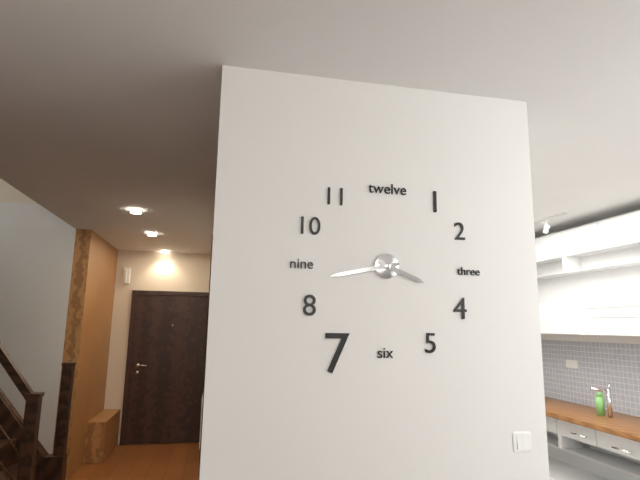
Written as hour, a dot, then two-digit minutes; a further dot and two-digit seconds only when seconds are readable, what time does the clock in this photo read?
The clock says 3.43
